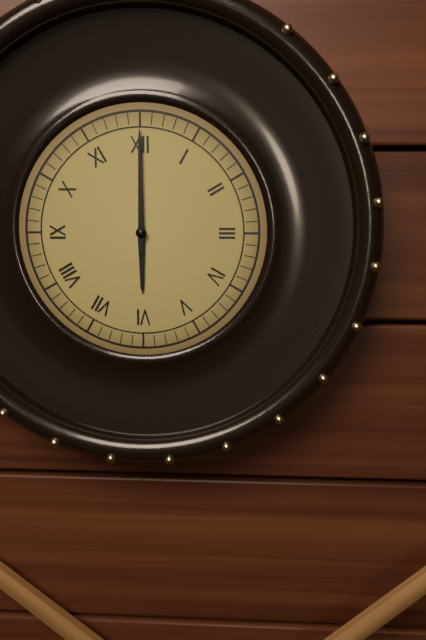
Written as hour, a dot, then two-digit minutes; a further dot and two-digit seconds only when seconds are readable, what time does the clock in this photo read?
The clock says 6.00
